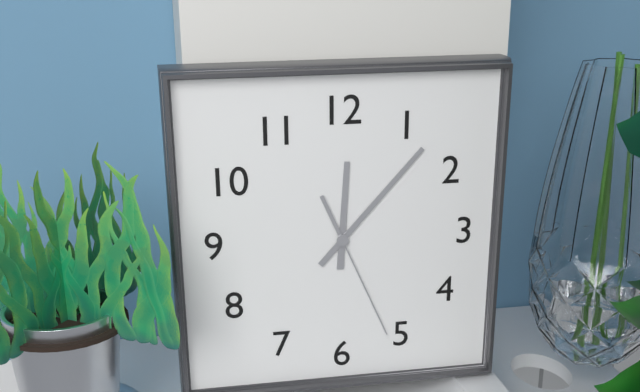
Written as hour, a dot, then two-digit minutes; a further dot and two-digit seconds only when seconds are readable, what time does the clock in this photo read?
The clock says 12.07.26
